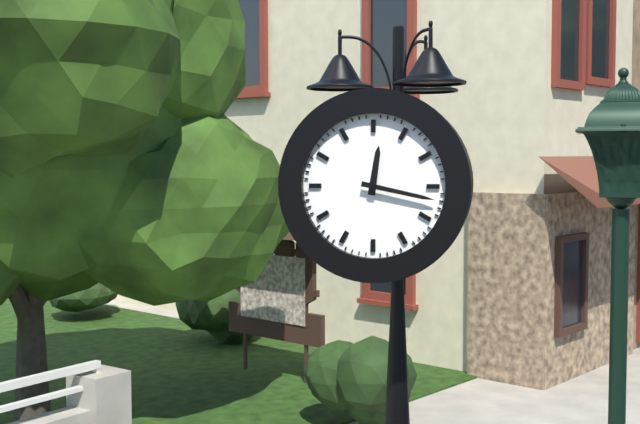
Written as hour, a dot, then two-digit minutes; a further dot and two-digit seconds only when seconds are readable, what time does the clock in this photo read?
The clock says 12.17
